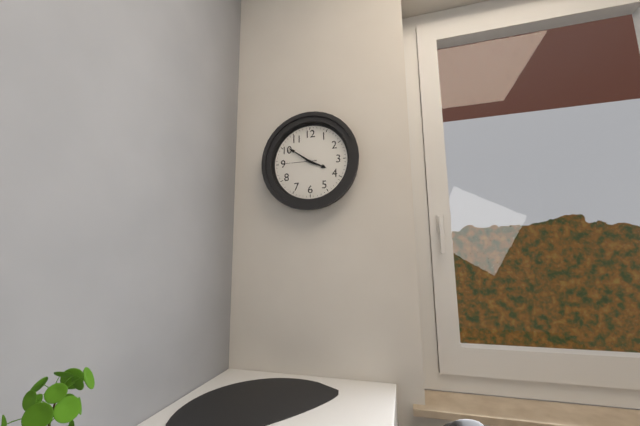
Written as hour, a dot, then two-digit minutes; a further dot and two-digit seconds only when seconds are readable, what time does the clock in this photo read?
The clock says 3.51
